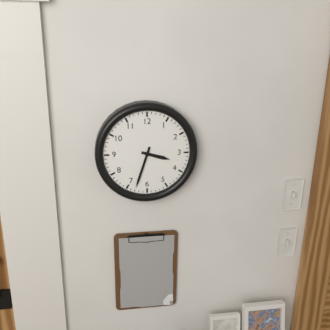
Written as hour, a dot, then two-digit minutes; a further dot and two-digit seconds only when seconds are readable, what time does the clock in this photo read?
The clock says 3.33
